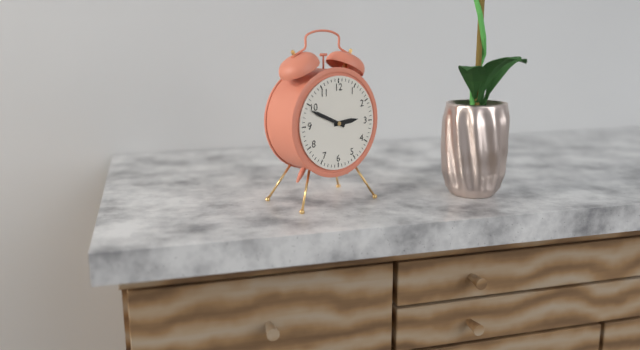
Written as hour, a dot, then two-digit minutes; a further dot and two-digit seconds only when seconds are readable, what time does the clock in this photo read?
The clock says 2.49
